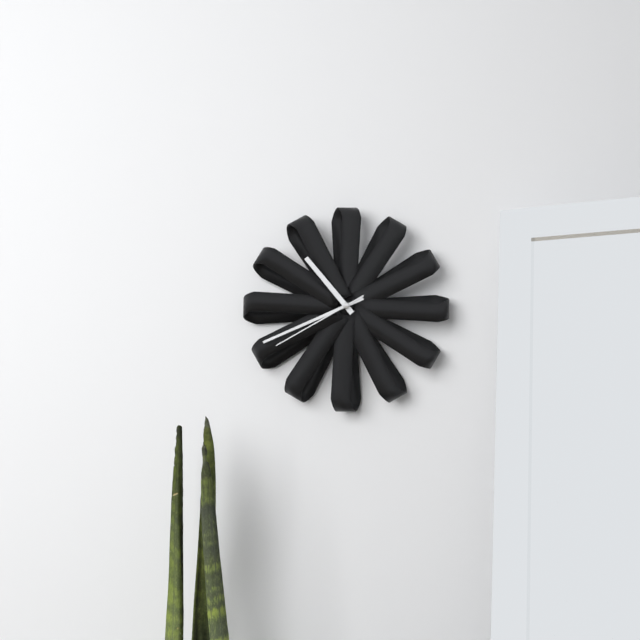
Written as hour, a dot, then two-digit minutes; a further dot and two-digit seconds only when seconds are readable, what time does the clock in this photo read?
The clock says 10.41.40
